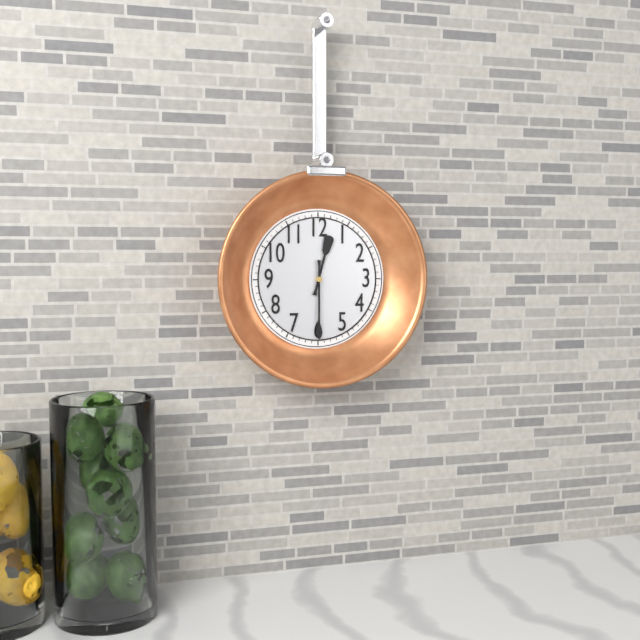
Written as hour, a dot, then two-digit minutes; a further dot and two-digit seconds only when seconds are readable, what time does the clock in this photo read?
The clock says 12.30
